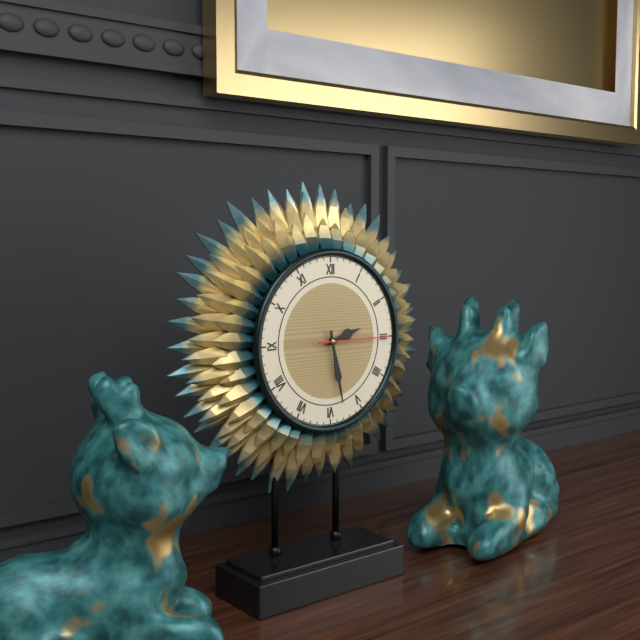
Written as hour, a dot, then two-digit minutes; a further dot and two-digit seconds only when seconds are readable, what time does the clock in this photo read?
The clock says 2.28.15
